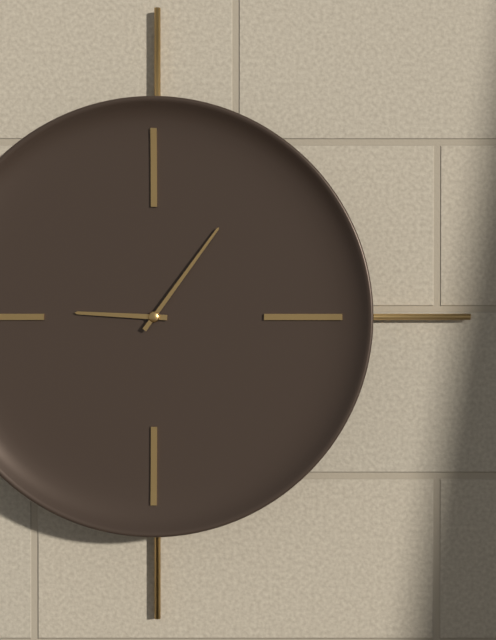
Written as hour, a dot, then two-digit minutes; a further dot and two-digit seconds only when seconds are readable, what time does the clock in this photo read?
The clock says 9.06
